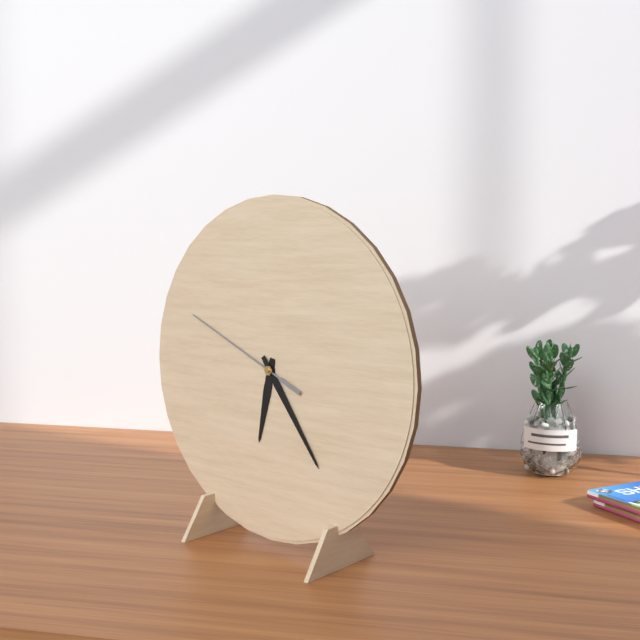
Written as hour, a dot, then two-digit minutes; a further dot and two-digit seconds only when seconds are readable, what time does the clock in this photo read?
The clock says 6.24.49
